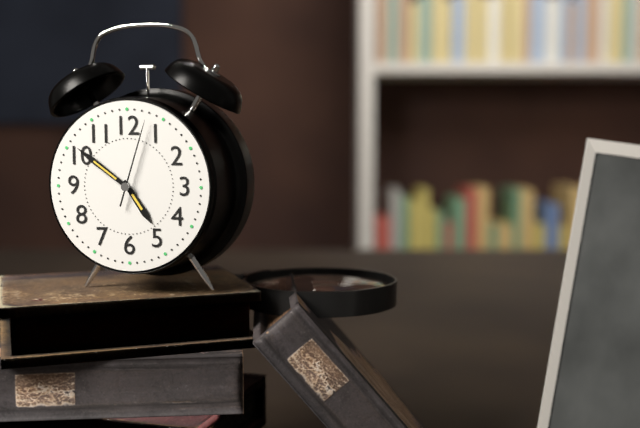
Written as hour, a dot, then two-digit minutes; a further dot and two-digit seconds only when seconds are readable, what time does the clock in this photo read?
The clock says 4.51.03
